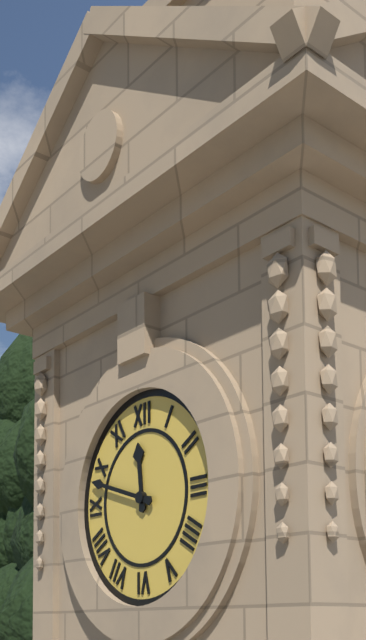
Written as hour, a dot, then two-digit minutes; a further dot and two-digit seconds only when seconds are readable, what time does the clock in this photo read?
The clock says 11.48
